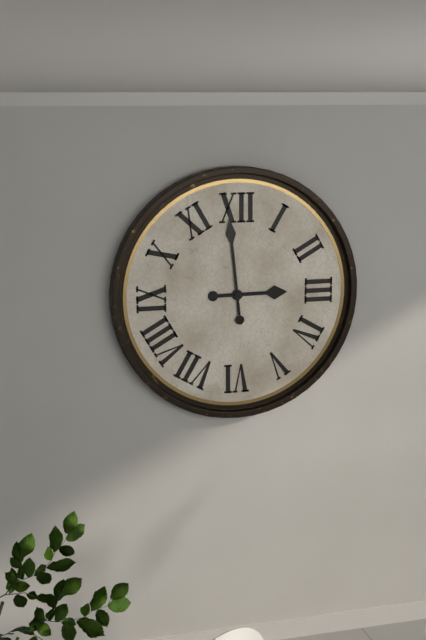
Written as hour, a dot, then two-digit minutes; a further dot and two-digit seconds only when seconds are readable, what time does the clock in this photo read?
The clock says 2.59
